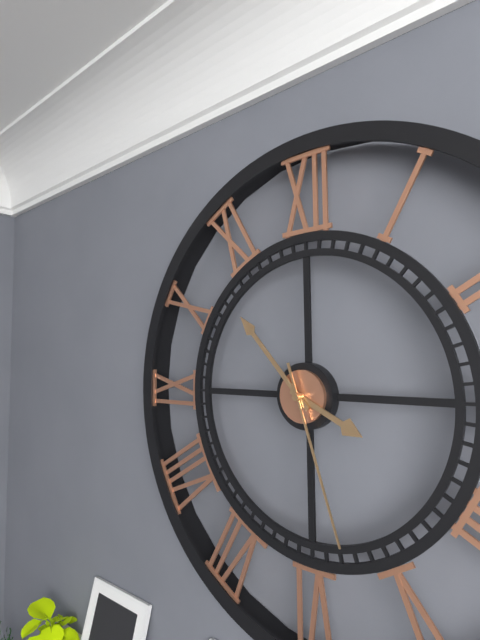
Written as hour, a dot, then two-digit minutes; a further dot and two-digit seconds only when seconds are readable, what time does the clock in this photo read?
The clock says 3.53.27
